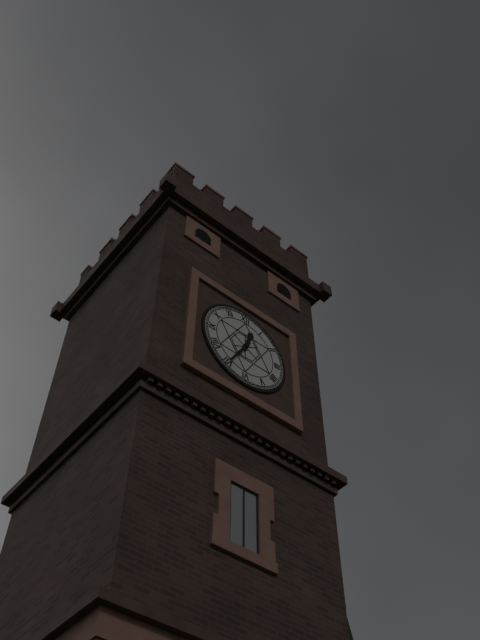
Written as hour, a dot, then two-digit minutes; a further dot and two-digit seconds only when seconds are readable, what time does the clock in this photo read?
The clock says 12.35
